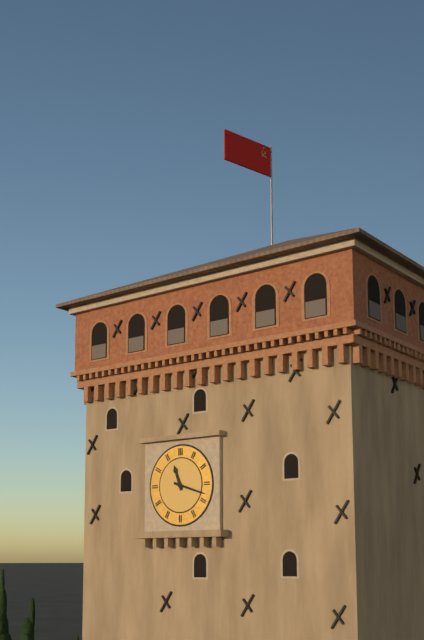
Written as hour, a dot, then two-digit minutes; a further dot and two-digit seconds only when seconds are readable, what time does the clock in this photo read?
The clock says 11.18
